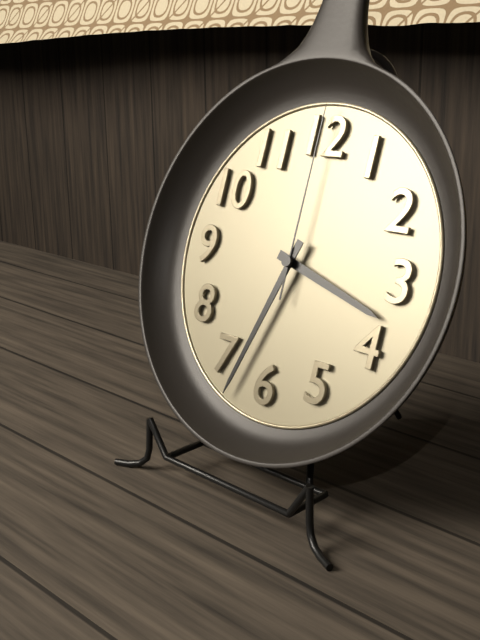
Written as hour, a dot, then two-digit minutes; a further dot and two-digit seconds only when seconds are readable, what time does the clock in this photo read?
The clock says 3.33.00
